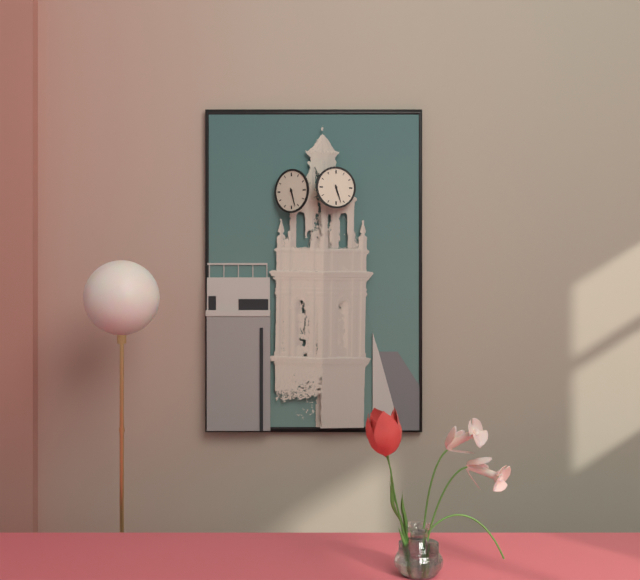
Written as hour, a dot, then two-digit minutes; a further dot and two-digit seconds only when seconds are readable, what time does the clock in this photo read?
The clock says 5.27
